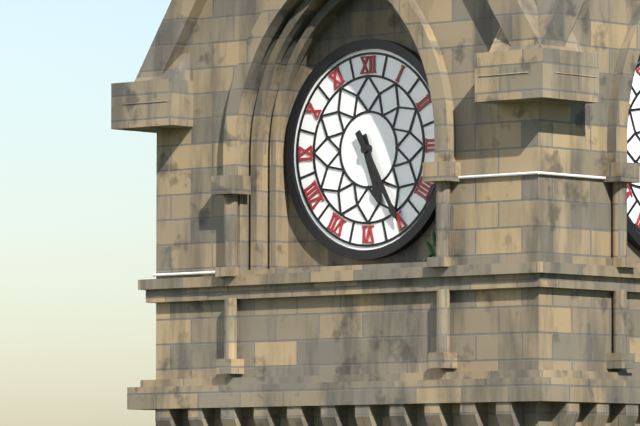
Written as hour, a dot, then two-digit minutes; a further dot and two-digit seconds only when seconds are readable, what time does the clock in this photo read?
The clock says 5.25
